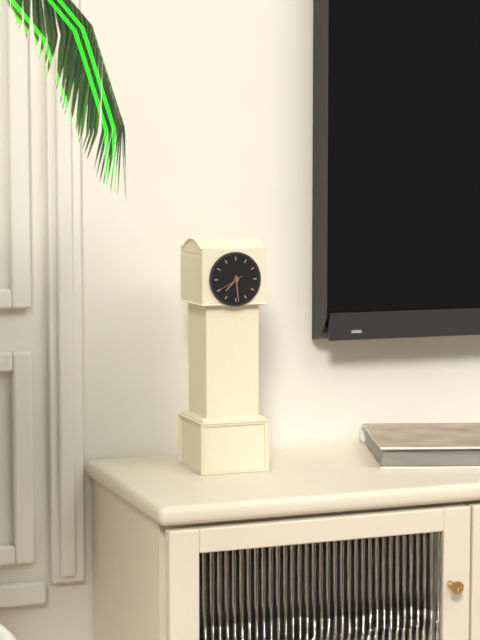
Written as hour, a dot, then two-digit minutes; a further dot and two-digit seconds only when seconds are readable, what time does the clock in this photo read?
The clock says 7.29
